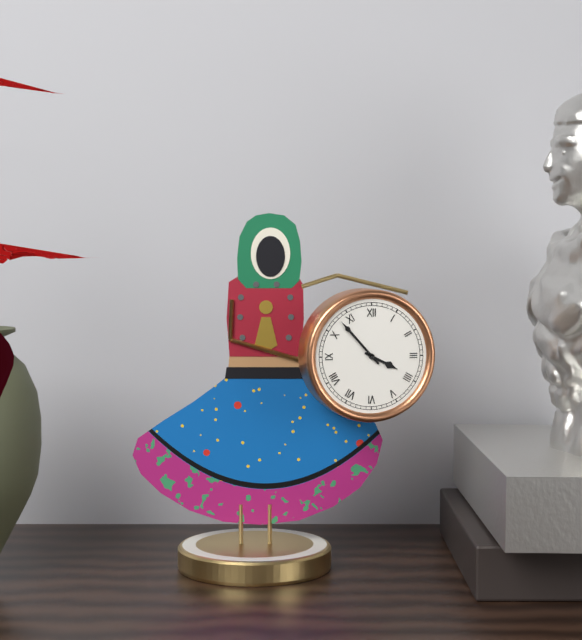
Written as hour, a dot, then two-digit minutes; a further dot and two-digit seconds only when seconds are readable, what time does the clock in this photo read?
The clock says 3.53
